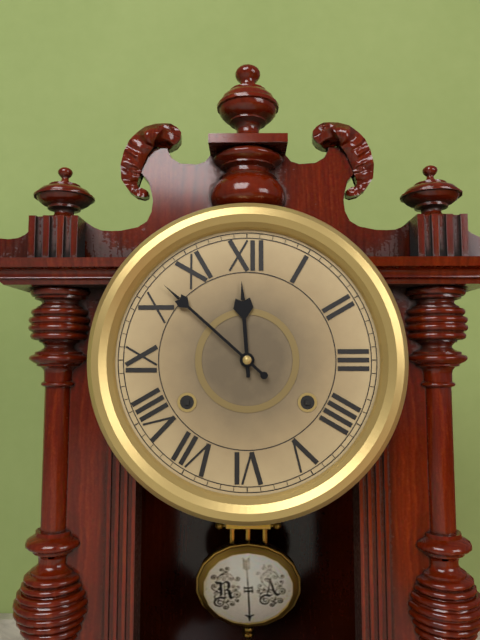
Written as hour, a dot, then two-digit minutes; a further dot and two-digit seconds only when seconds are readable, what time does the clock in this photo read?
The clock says 11.52
